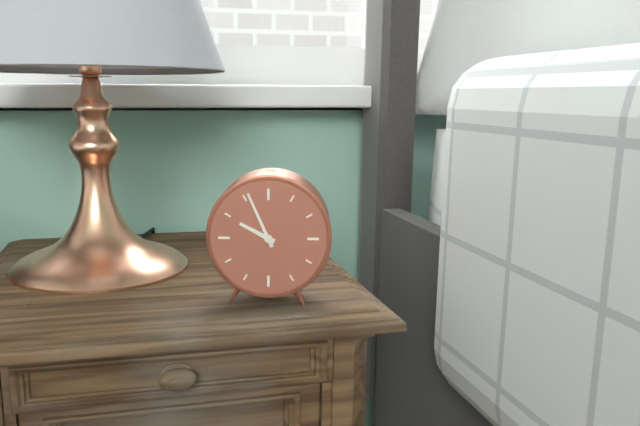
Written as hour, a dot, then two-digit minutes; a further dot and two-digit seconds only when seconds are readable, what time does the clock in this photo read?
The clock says 9.56
